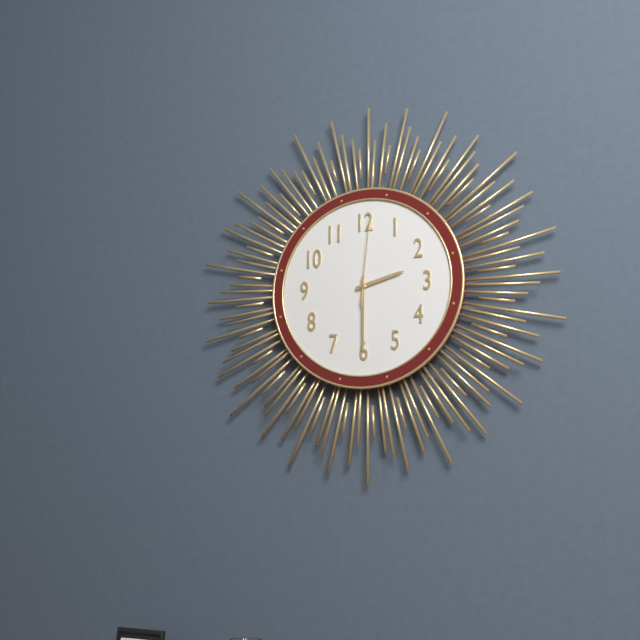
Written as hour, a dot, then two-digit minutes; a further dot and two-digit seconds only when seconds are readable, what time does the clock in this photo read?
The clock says 2.30.01
